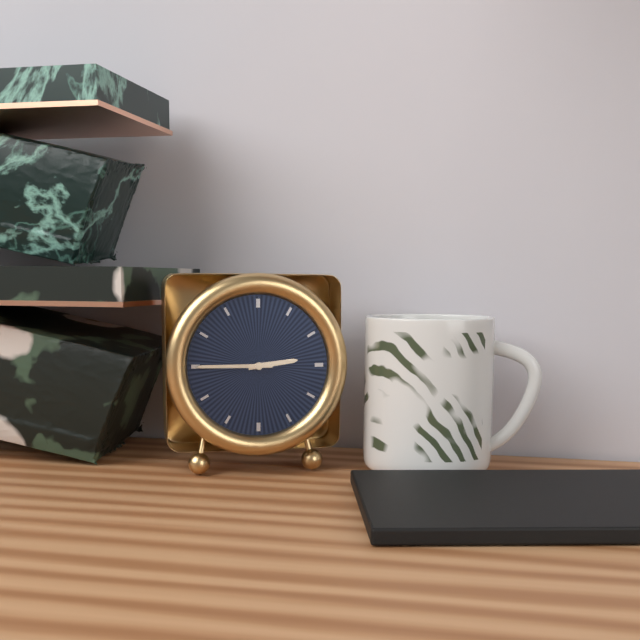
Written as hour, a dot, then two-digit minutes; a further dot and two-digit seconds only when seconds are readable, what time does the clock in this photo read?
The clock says 2.45
